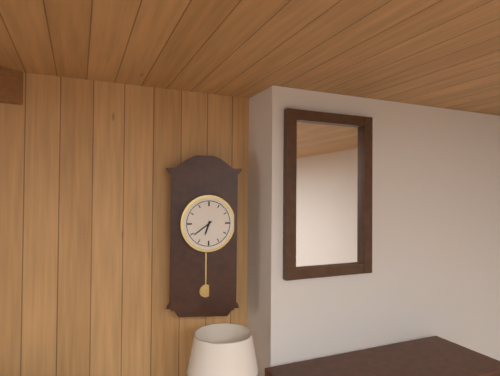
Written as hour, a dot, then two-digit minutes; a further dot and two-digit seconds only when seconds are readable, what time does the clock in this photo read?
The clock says 6.39
